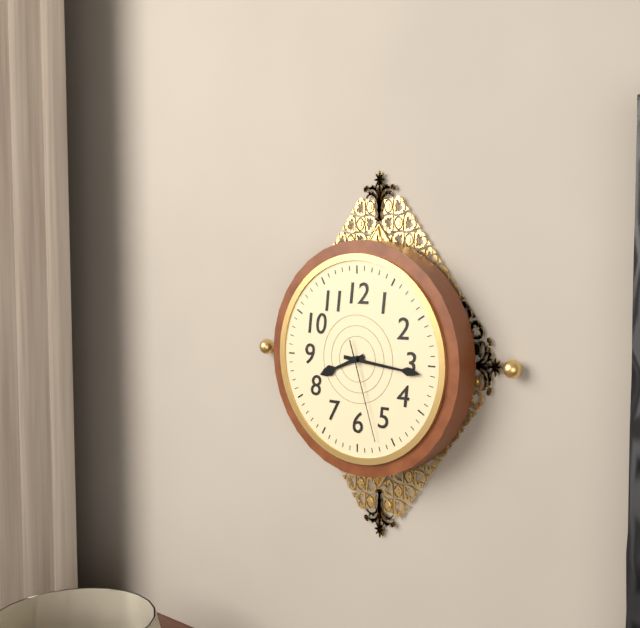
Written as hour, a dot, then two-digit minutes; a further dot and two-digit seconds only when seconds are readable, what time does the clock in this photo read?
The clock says 8.16.27
